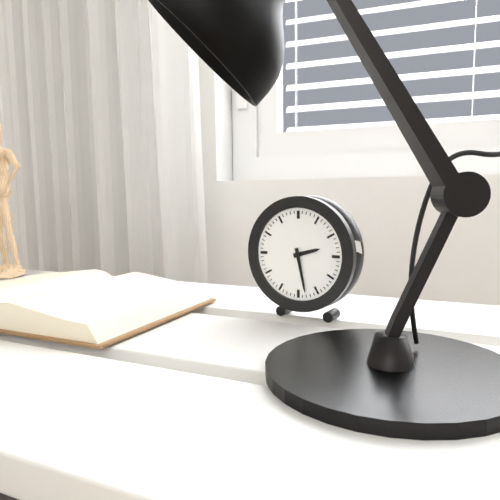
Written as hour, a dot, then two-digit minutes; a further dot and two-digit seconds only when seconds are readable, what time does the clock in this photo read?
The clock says 2.28
